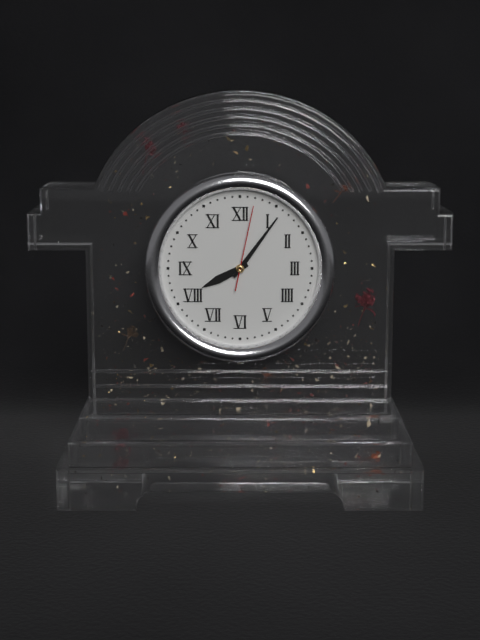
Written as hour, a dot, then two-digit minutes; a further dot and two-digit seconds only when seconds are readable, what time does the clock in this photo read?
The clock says 8.06.02
